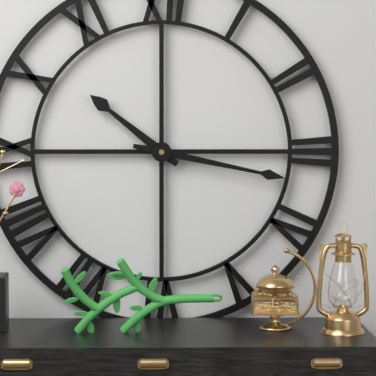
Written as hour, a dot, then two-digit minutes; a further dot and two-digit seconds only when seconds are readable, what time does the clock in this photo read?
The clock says 10.17
